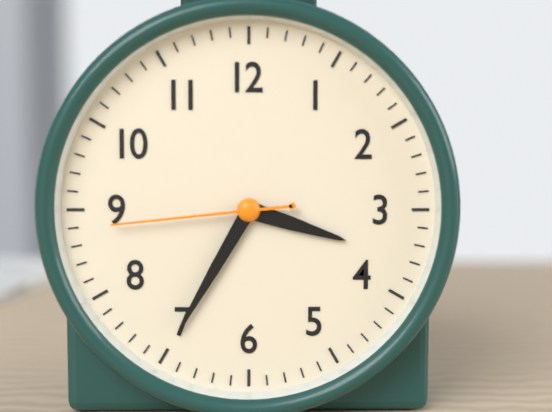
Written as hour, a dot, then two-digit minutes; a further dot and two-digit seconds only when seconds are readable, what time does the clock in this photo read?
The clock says 3.35.44
